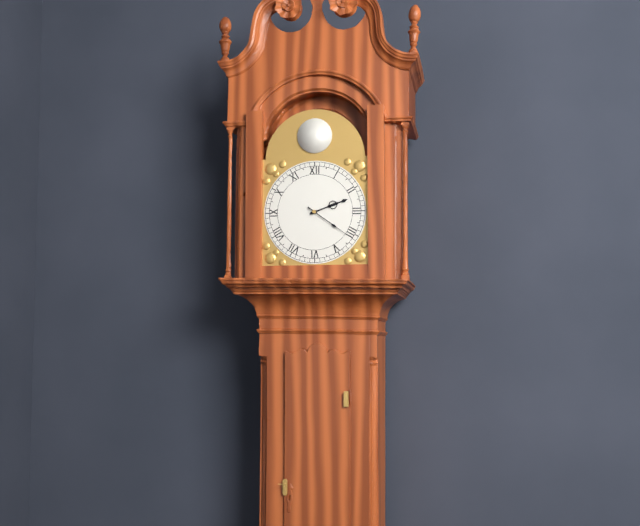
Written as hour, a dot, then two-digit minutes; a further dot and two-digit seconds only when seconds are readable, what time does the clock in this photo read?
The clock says 2.21
